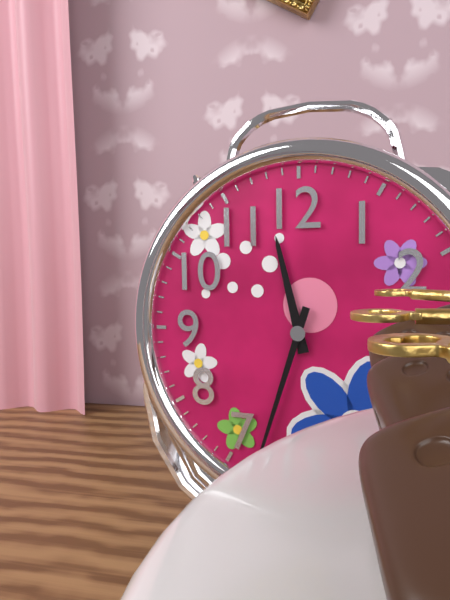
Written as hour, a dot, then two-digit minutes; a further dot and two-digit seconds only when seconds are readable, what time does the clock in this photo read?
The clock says 11.33
